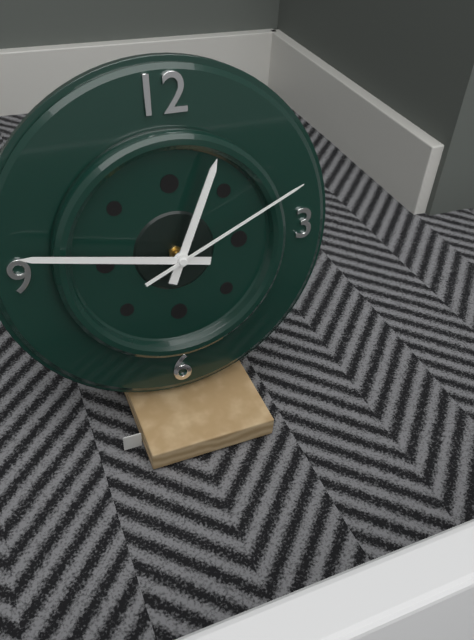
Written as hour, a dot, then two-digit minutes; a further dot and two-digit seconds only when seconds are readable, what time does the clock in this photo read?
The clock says 12.47.11
